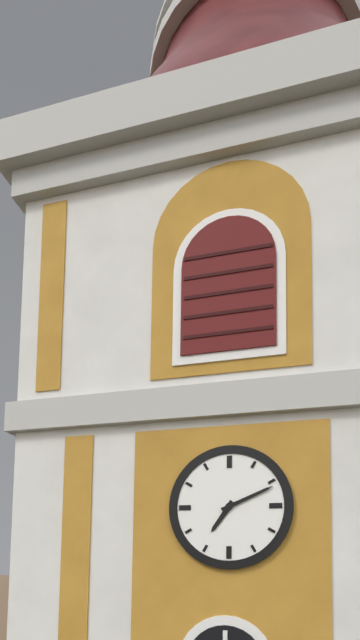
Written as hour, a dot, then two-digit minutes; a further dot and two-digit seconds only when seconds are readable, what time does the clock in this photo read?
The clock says 7.11
